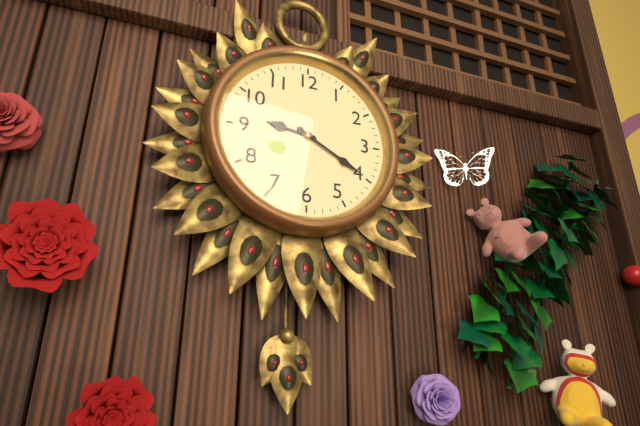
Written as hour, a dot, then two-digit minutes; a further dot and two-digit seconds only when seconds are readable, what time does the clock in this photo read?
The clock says 9.20
